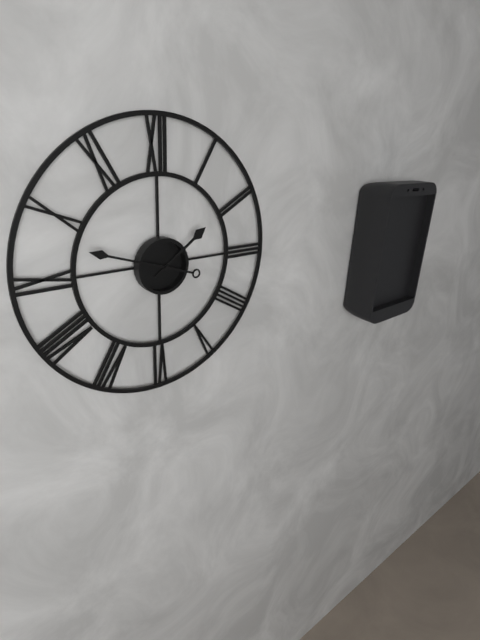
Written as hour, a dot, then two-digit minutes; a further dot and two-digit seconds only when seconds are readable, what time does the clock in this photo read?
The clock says 1.48
